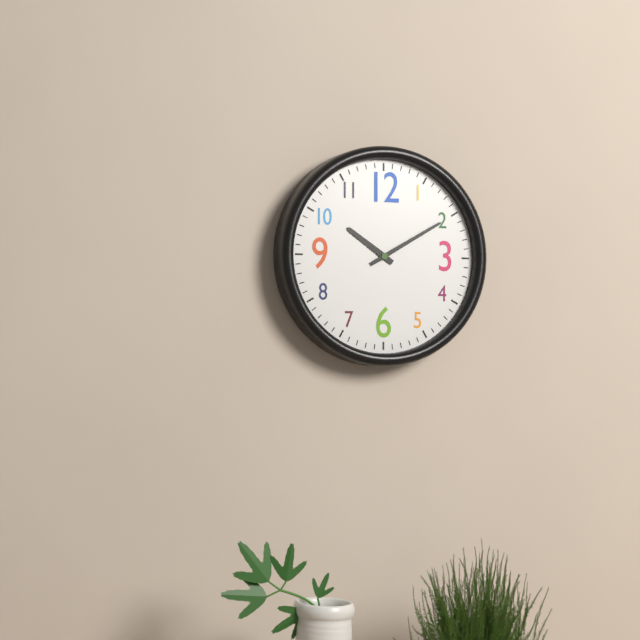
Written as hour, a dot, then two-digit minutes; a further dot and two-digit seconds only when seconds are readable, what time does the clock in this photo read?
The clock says 10.10
